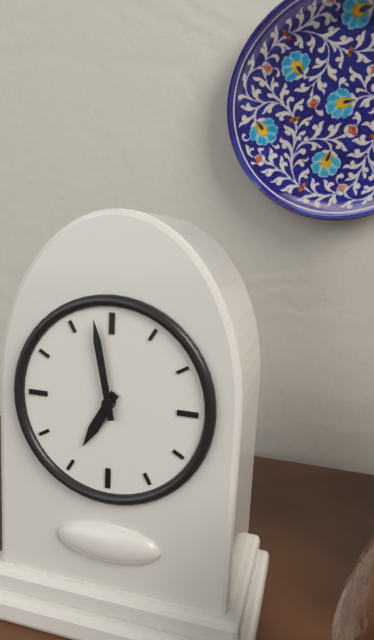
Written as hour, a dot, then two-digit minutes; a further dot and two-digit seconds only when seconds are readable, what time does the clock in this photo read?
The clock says 6.58
